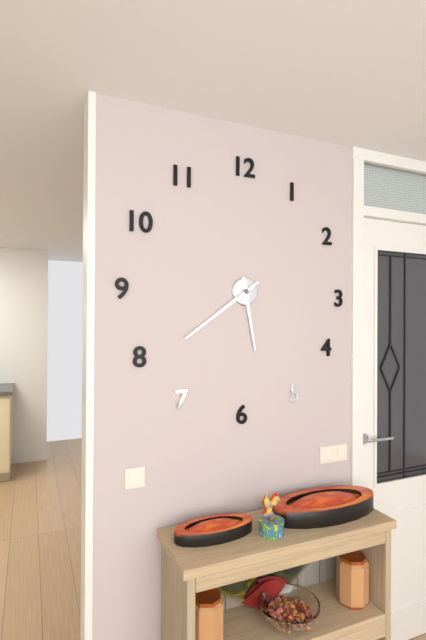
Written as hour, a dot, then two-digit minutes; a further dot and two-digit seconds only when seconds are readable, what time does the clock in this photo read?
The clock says 5.39
